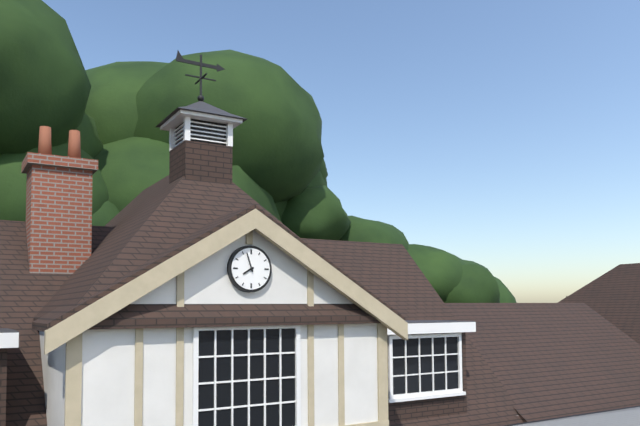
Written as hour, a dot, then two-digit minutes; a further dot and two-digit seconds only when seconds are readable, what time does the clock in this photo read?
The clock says 7.57
